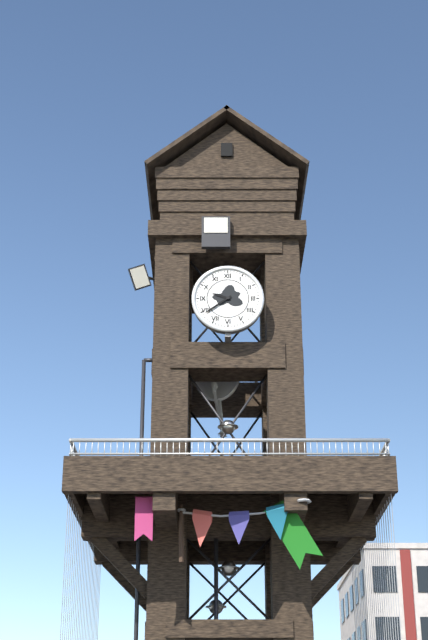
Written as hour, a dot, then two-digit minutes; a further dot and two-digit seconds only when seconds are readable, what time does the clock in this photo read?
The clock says 9.39
